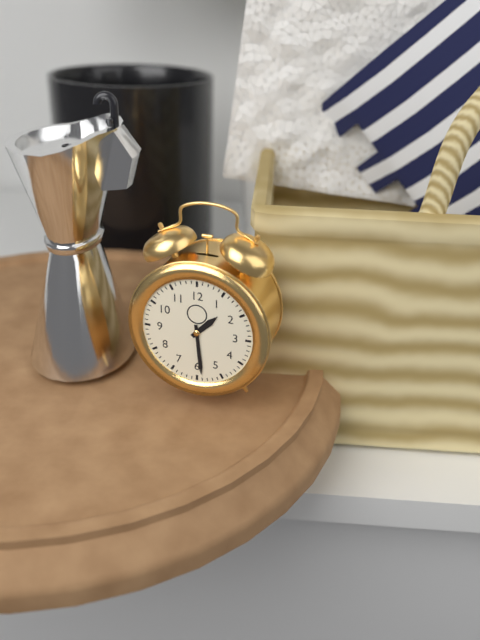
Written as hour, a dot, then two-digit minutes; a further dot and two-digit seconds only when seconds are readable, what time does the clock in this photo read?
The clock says 1.29
